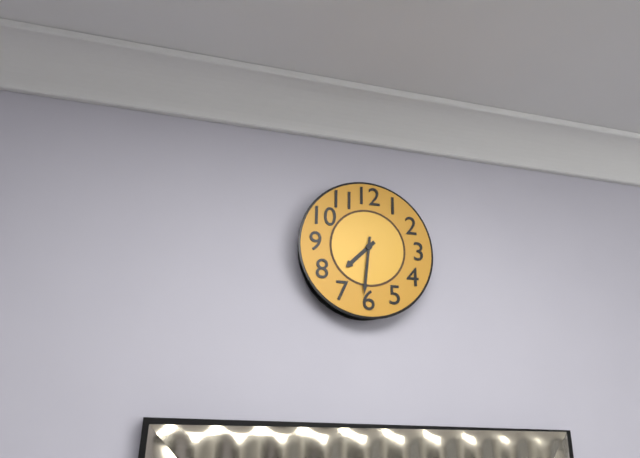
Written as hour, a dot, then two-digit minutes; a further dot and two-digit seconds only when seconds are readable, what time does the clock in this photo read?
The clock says 7.31
